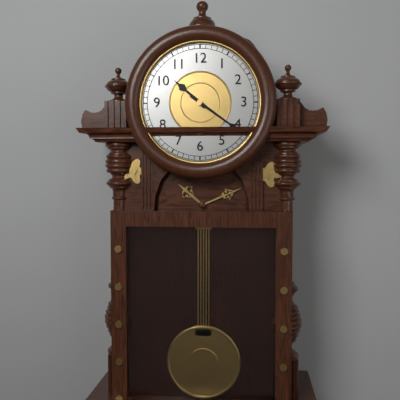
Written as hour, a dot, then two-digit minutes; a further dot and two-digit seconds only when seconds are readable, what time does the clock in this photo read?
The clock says 10.21
